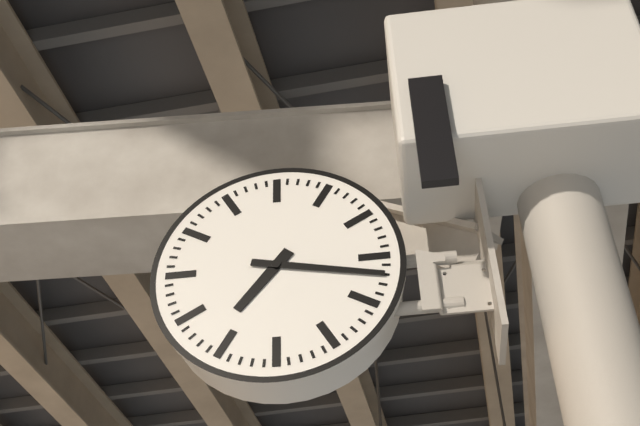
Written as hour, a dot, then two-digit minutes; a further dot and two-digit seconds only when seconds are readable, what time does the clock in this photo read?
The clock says 7.17
